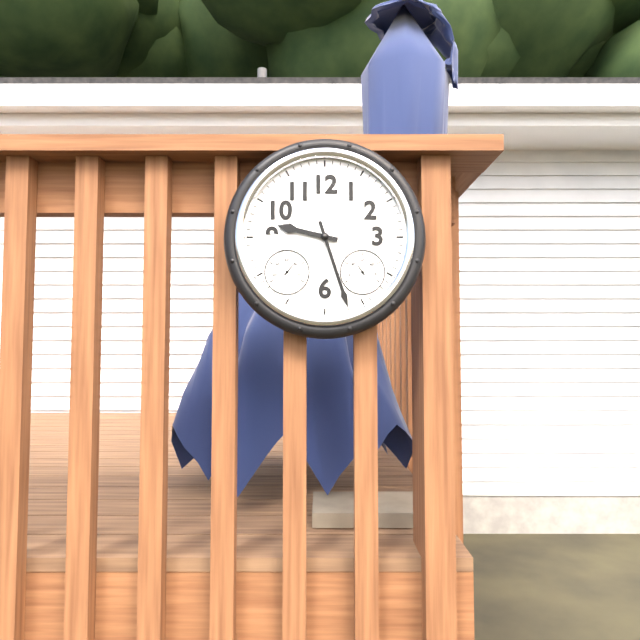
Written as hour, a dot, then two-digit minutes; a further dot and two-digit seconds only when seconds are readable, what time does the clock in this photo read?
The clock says 9.27
